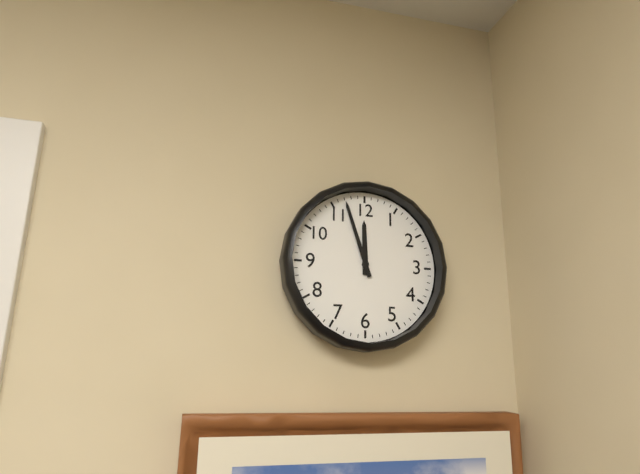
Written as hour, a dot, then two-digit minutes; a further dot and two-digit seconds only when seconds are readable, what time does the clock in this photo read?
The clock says 11.57
